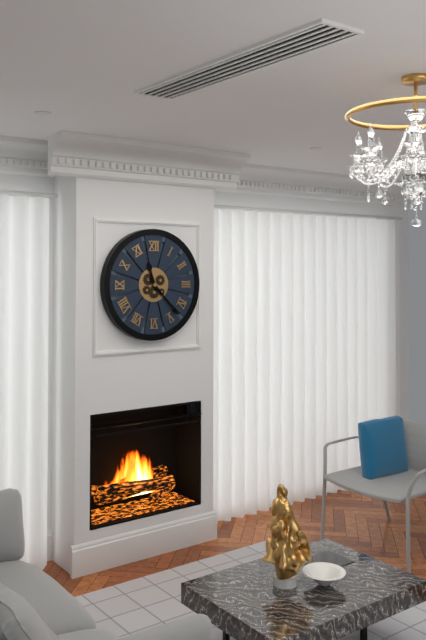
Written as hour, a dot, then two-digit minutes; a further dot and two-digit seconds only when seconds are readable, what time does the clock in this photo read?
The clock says 11.23
